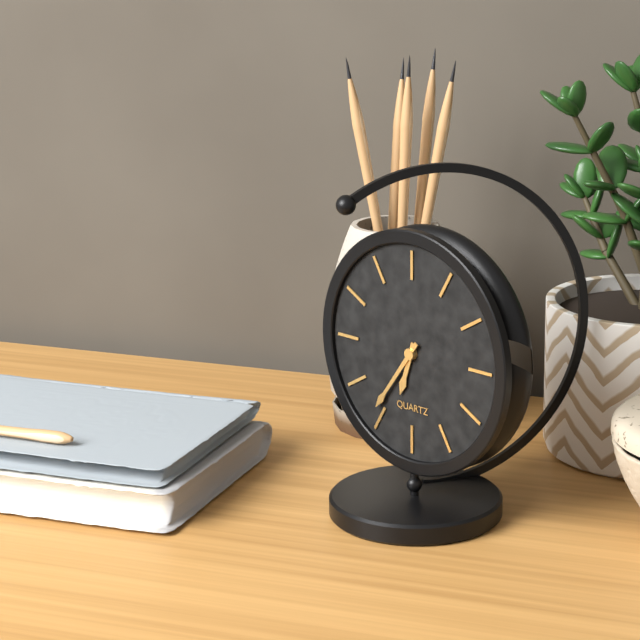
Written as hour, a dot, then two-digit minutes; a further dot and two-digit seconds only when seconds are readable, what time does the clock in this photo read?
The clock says 6.36
